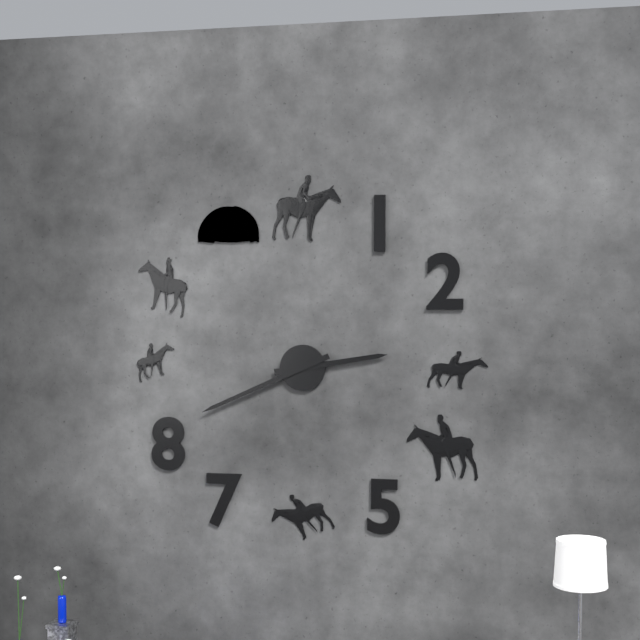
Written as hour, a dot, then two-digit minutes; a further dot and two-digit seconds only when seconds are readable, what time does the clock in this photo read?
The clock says 2.41
